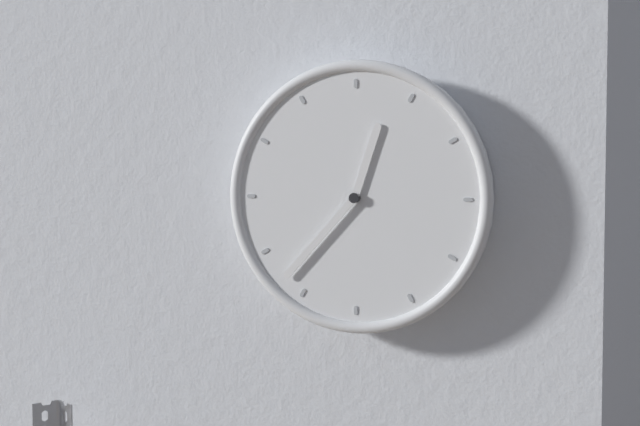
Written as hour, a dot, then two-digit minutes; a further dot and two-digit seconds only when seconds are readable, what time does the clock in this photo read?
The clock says 12.37
